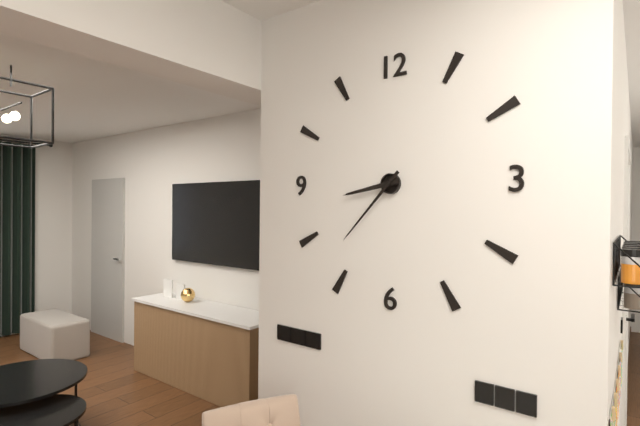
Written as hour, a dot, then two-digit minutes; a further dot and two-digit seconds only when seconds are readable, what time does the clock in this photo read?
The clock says 8.37
